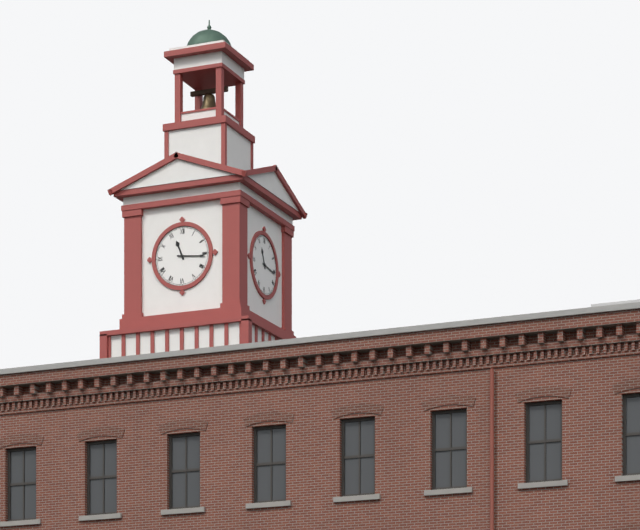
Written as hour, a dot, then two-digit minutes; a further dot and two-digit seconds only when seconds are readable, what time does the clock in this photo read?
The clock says 11.16
